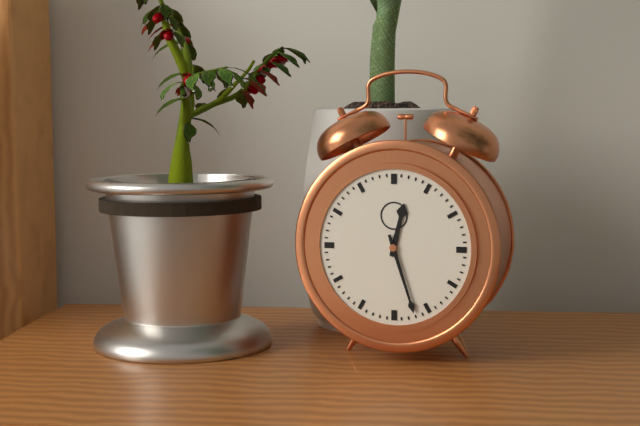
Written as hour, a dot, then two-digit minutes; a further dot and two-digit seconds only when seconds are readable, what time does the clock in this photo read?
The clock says 12.27
